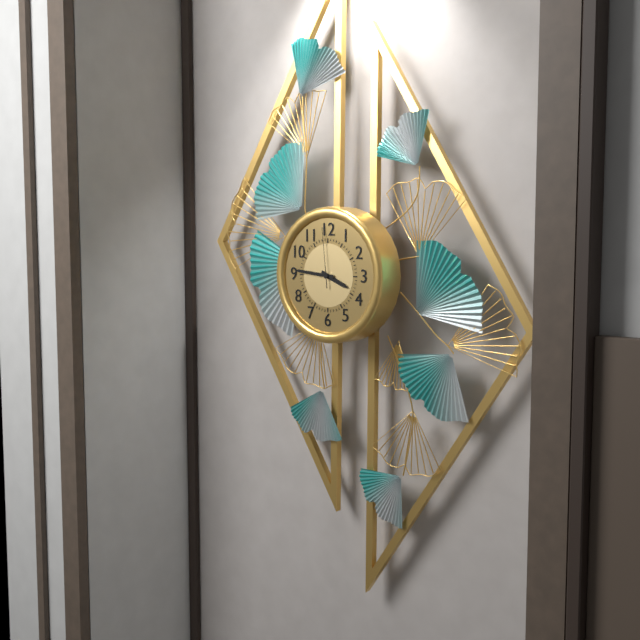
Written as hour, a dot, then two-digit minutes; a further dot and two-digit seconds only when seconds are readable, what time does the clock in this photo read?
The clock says 3.46.59
